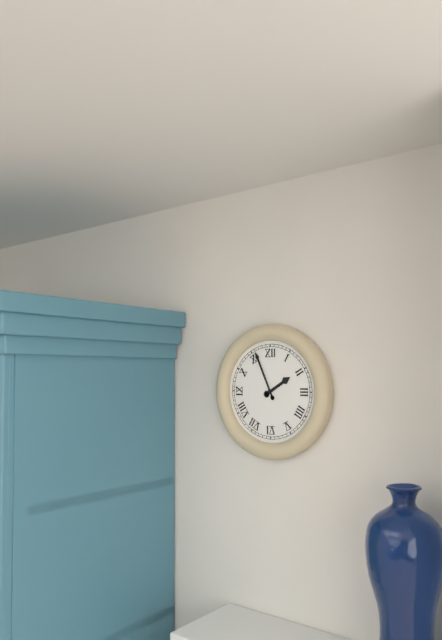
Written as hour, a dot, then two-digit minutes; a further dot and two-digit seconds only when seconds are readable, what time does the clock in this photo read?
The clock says 1.56
